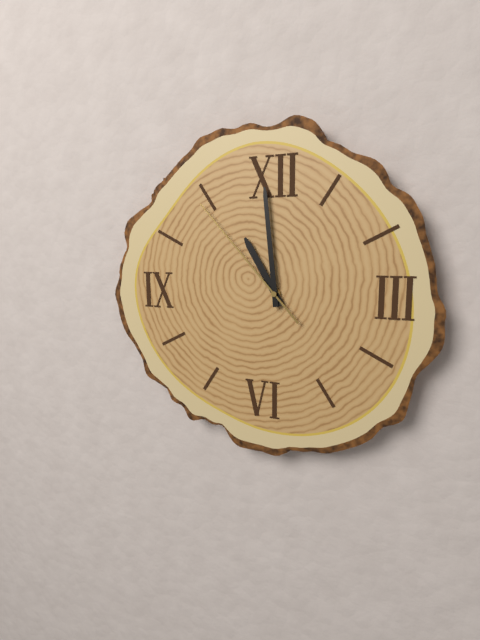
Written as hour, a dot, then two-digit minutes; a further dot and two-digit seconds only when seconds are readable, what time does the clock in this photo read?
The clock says 10.59.53
